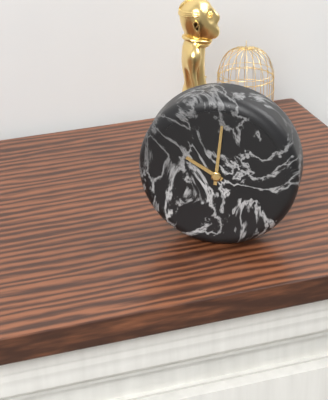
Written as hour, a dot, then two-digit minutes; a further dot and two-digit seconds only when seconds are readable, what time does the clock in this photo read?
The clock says 10.01
